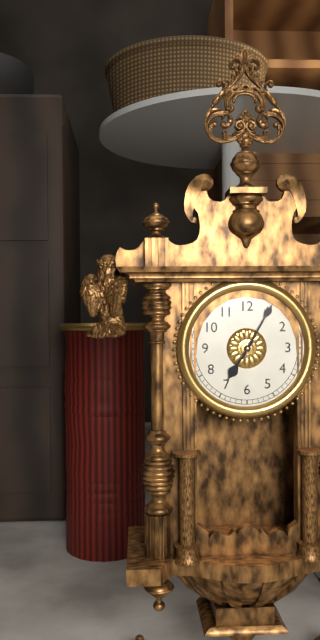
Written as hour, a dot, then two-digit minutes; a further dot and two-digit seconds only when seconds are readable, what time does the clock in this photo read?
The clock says 7.05
